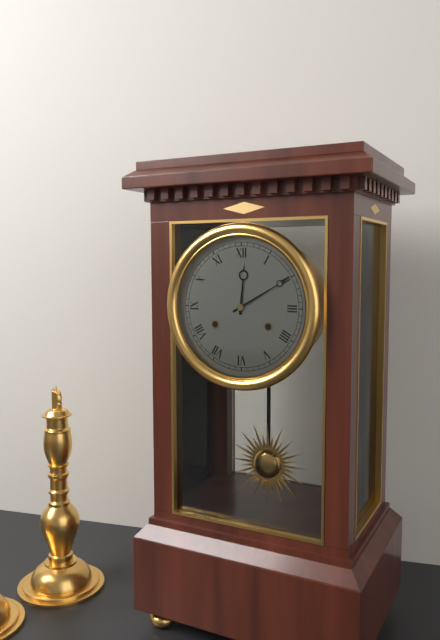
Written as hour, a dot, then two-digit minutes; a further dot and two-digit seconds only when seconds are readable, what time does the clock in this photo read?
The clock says 12.10
